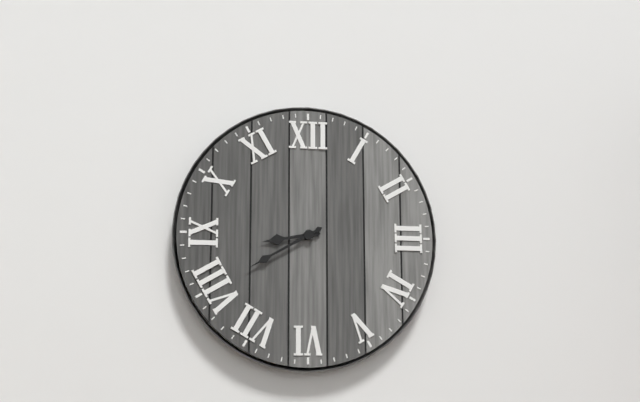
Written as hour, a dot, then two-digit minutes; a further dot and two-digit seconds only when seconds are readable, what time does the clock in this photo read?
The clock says 8.40
